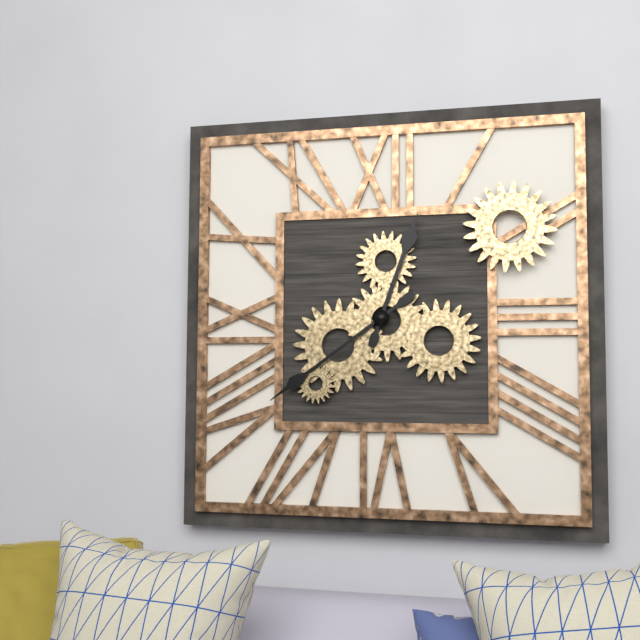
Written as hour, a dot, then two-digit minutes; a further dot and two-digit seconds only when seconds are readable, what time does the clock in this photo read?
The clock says 12.39
